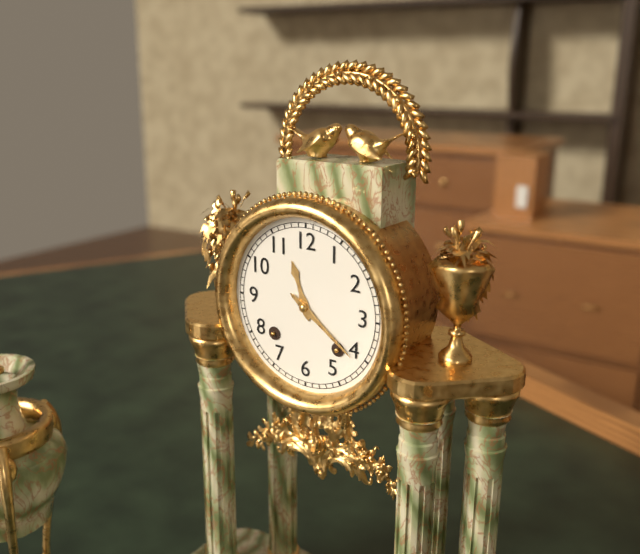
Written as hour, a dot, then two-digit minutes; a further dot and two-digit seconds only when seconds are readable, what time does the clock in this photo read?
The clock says 11.21
